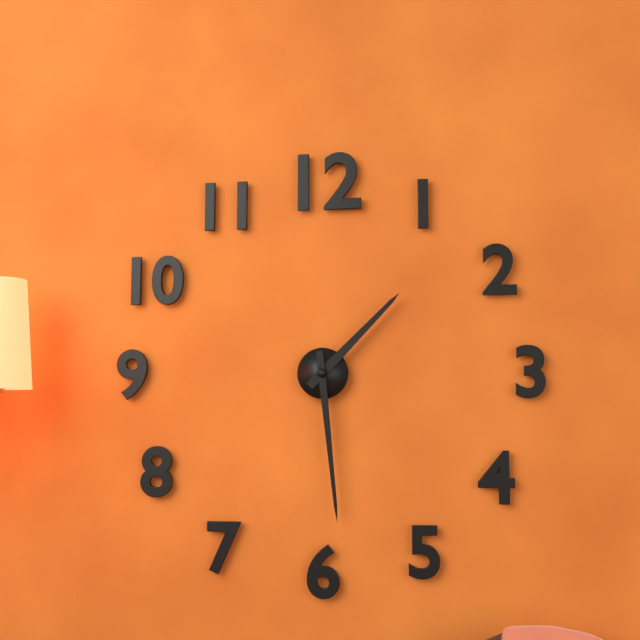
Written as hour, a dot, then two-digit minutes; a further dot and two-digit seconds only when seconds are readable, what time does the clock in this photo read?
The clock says 1.29
